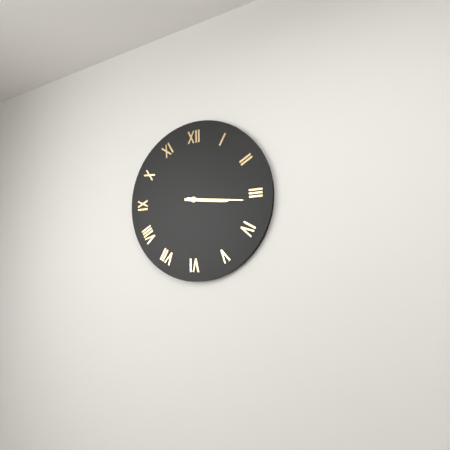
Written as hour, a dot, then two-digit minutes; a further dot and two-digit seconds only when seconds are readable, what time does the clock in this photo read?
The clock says 3.16
